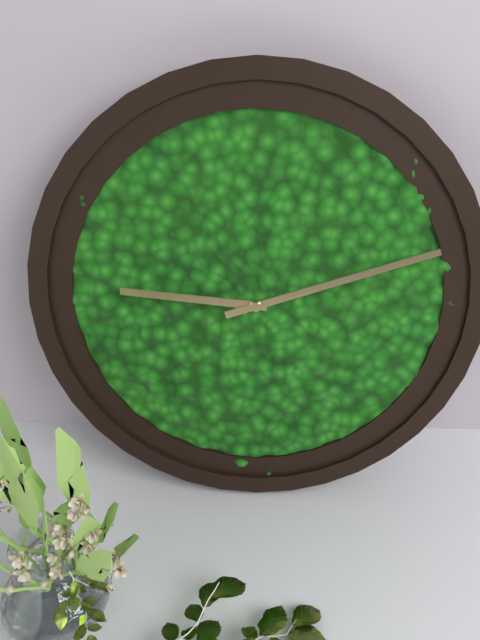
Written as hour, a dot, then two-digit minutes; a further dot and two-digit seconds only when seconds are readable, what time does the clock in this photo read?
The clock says 9.12
